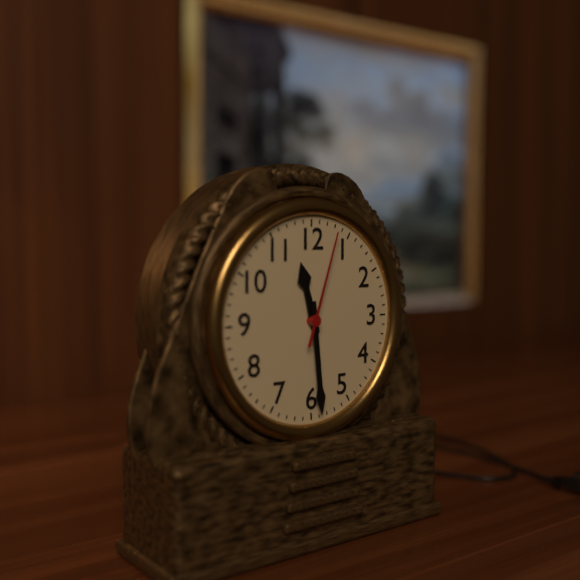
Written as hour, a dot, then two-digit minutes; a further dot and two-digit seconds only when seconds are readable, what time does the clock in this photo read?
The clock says 11.29.03
